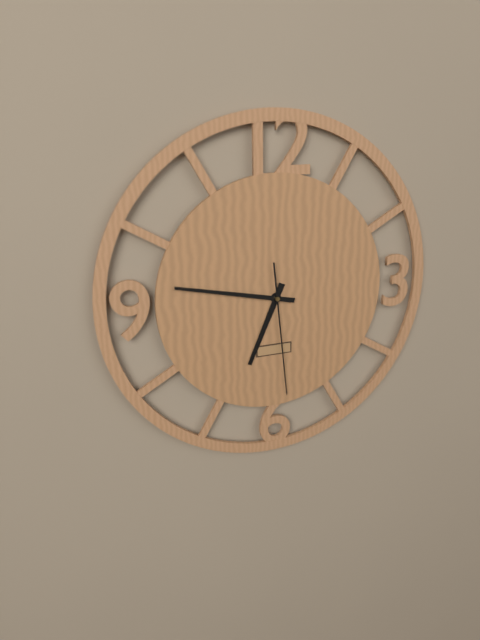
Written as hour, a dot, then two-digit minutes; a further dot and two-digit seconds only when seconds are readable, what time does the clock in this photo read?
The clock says 6.47.29
